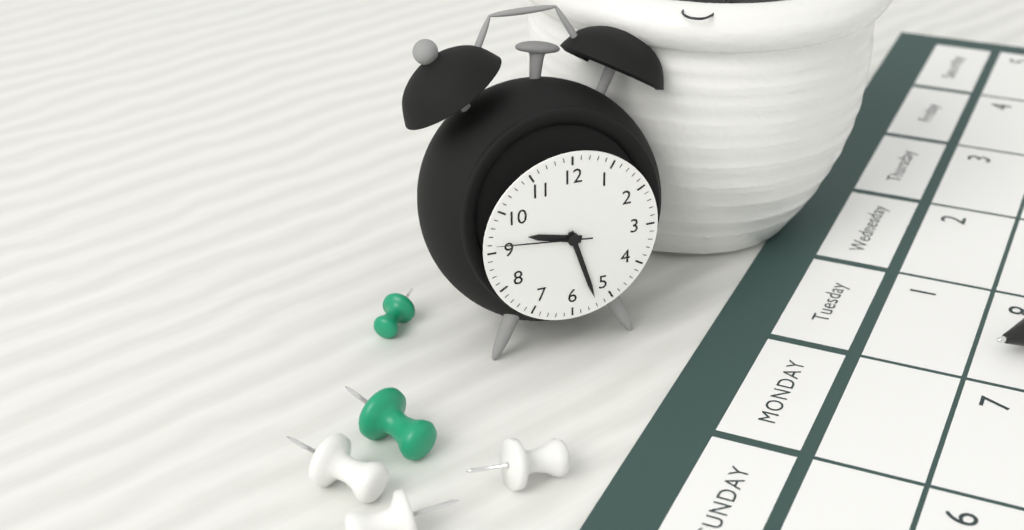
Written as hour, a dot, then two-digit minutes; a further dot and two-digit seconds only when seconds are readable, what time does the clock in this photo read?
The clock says 9.27.46
